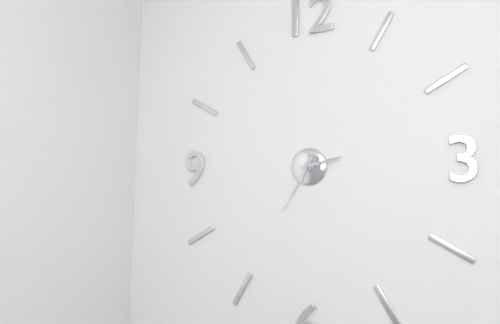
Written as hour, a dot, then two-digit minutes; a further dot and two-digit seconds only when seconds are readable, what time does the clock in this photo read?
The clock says 2.35
